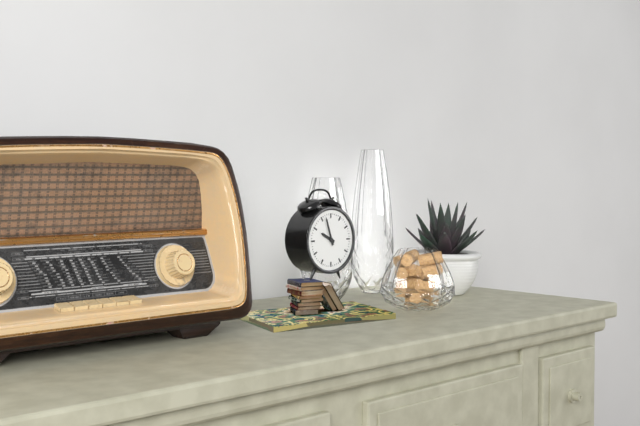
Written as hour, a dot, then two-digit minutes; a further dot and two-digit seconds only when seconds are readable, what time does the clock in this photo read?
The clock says 9.57
